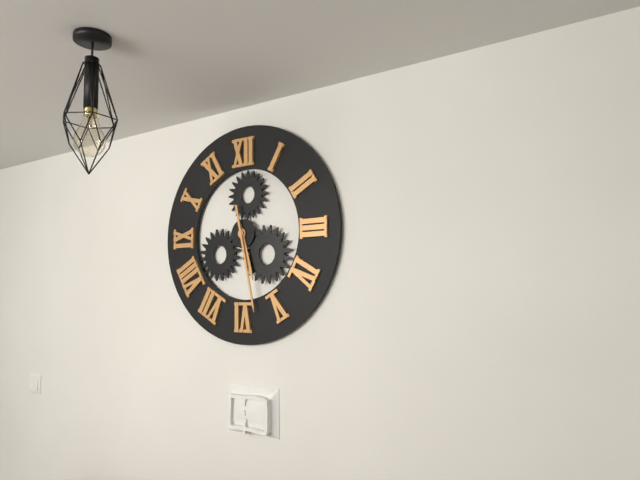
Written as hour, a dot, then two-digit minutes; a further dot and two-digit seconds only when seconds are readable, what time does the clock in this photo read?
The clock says 5.28
